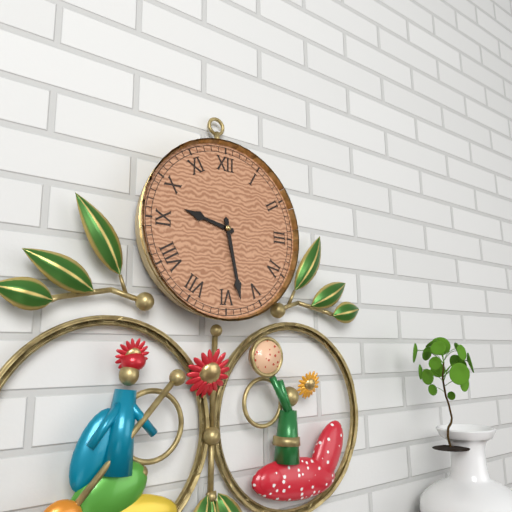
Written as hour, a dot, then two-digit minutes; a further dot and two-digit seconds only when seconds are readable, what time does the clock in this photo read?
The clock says 9.28
